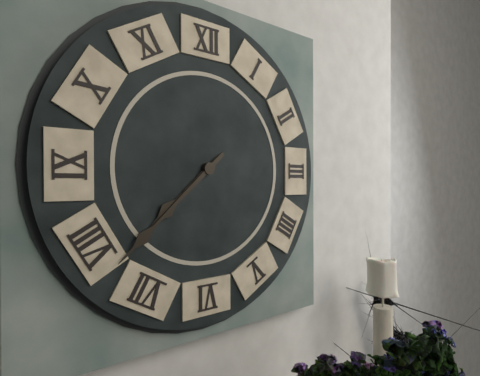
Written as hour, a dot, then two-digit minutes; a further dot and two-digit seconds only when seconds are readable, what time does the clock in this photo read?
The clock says 7.38
